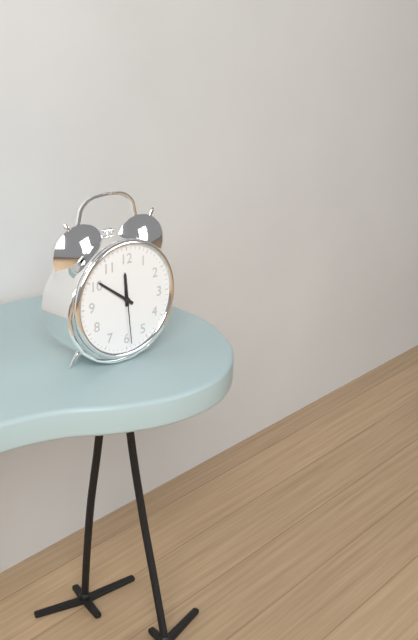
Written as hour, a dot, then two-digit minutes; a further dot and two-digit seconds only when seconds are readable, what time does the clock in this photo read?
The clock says 11.51.29
